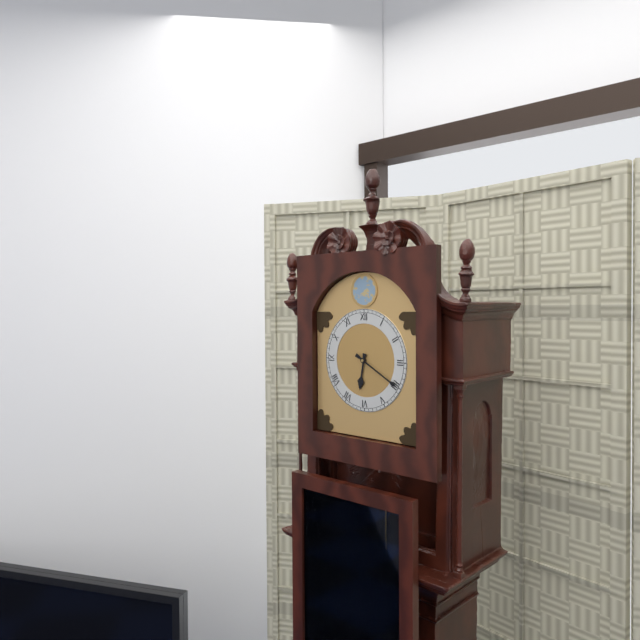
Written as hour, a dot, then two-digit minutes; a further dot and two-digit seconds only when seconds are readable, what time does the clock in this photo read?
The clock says 6.20
